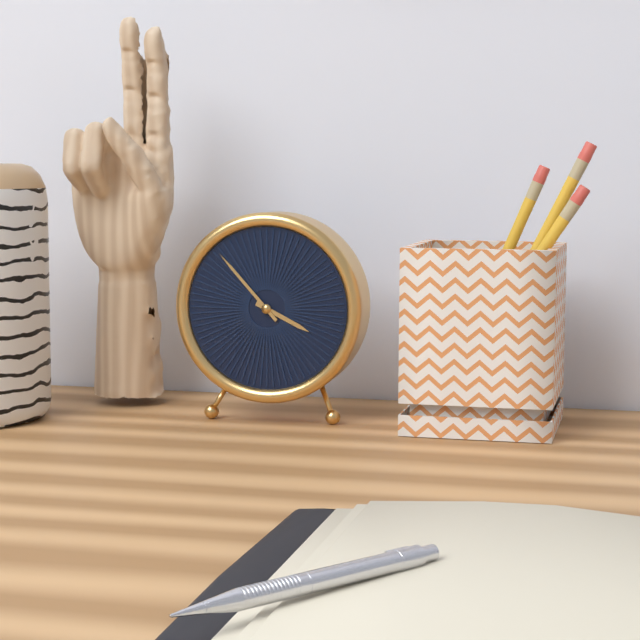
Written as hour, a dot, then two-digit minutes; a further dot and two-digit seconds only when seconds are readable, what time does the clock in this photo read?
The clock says 3.53
